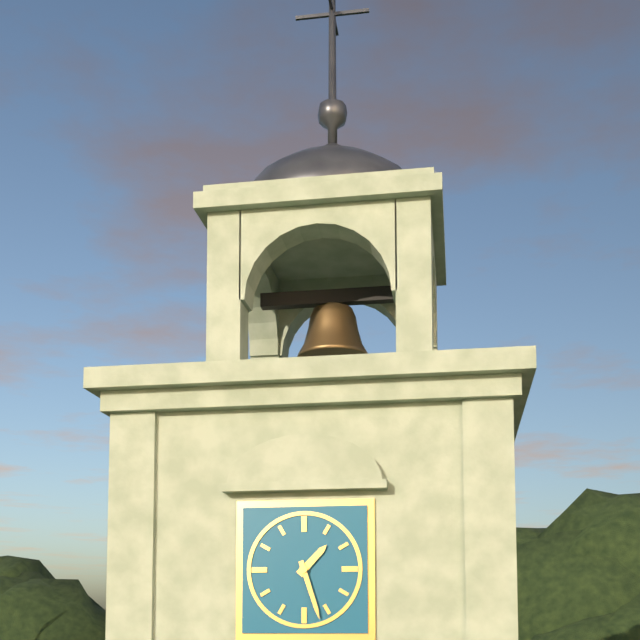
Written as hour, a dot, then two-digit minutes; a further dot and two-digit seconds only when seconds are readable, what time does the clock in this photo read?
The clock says 1.27
